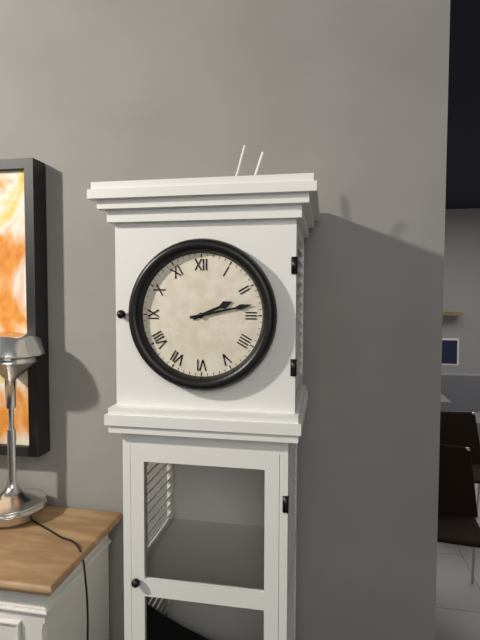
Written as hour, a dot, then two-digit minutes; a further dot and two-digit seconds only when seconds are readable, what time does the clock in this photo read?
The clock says 2.13
